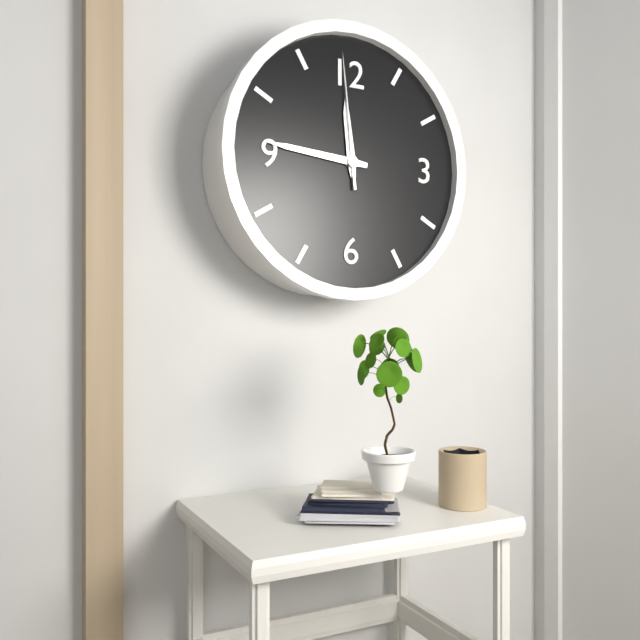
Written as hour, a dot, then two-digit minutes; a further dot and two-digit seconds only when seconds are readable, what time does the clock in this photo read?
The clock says 11.46.59
